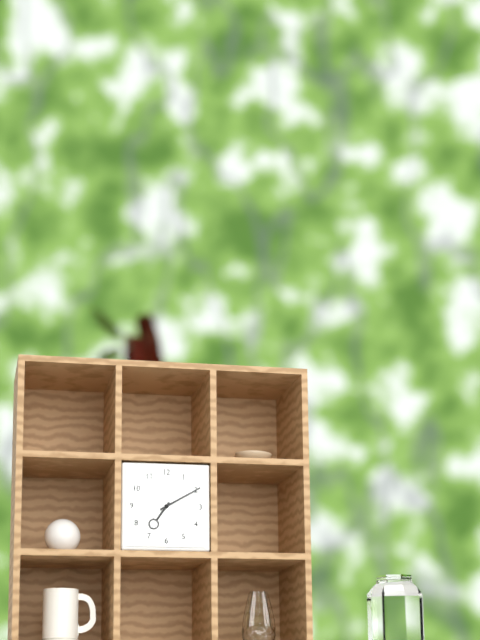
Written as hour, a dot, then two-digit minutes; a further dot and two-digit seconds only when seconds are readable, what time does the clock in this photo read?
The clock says 7.10
